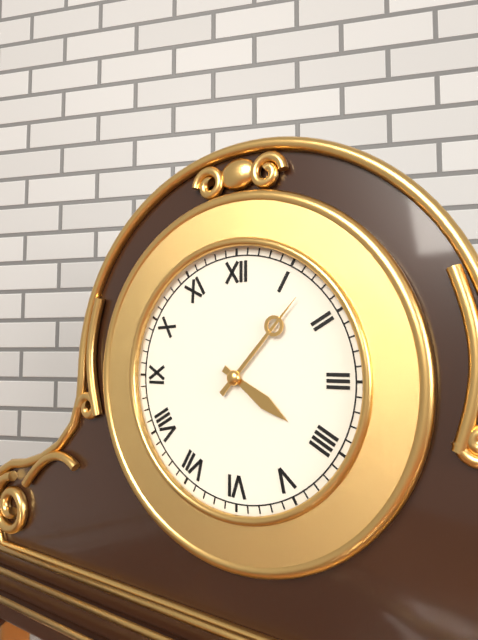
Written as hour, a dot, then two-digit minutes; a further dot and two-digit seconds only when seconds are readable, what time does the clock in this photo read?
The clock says 4.07
